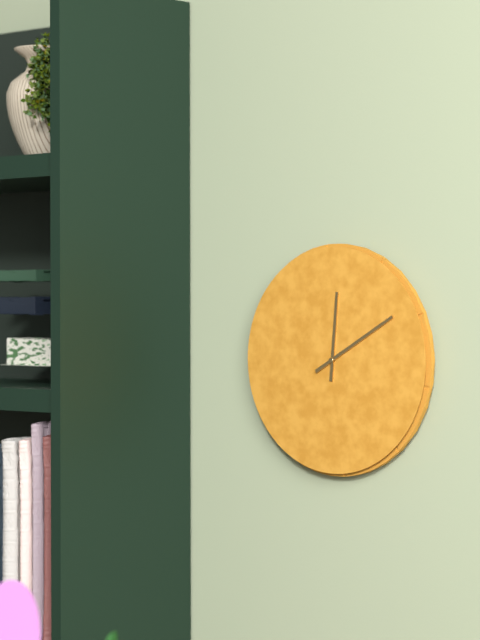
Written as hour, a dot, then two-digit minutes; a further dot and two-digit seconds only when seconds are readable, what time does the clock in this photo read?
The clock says 12.10
